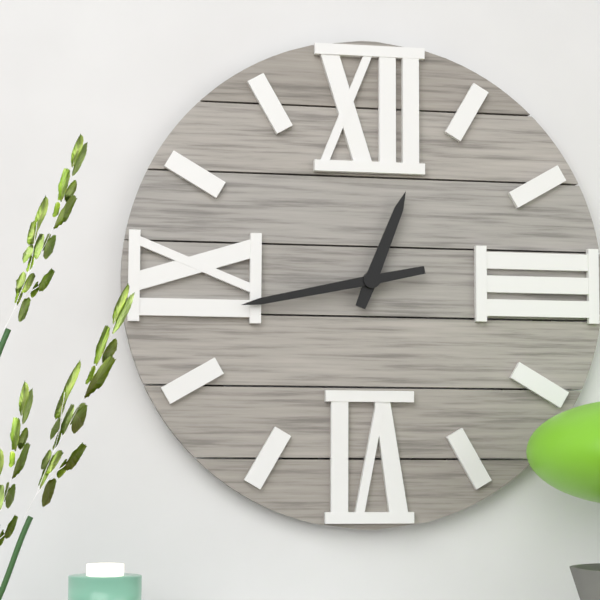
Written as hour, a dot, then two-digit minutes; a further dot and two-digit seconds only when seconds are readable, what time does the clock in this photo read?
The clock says 12.43
